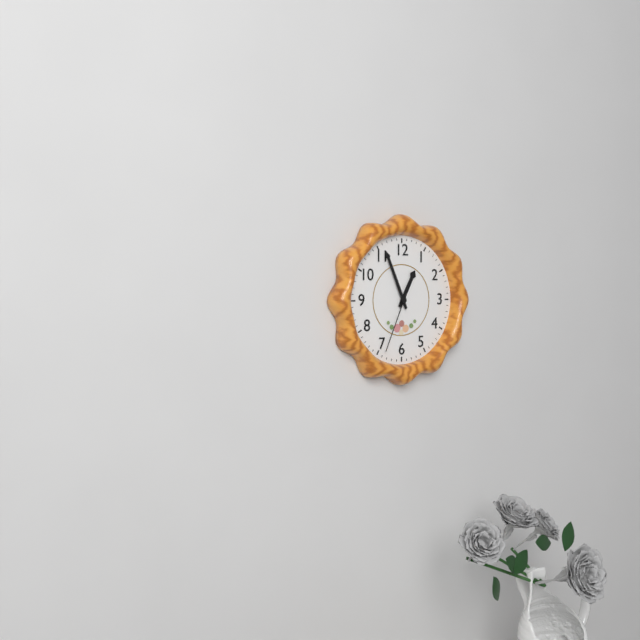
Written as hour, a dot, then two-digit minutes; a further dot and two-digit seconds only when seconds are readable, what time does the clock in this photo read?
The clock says 12.56.34
